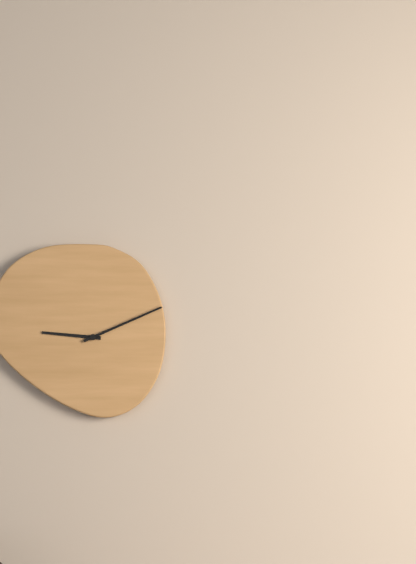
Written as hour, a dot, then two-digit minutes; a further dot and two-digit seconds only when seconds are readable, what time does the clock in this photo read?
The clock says 9.11
